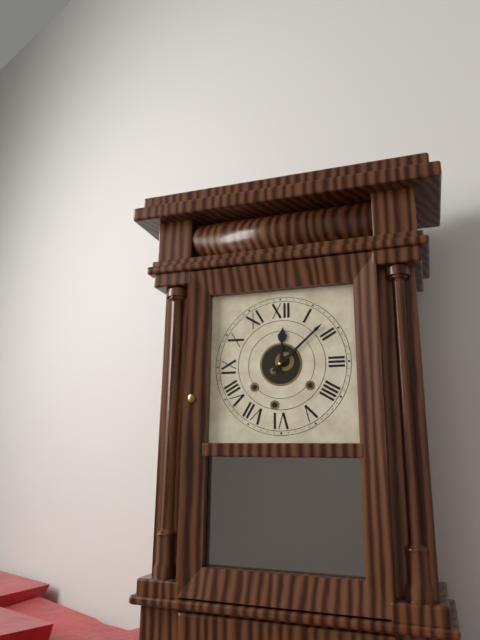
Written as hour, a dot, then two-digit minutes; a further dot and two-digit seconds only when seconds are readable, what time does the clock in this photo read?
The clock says 12.08
